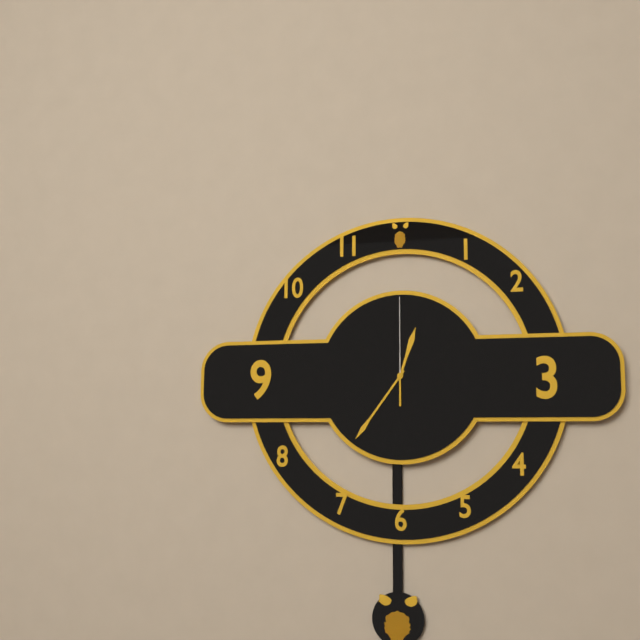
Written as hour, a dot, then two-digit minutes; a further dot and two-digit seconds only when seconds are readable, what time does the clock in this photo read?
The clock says 12.36.00
